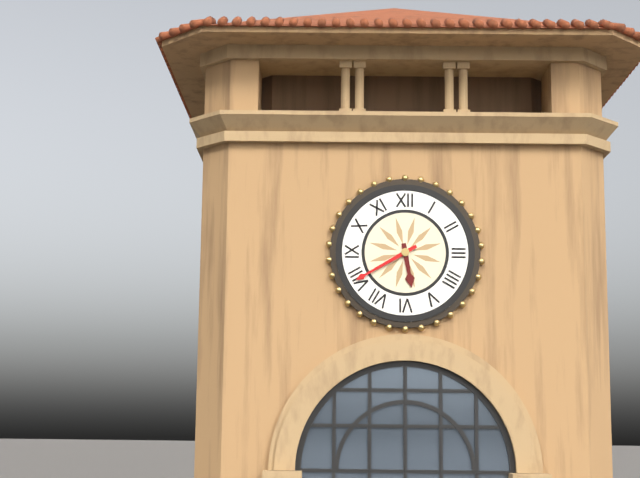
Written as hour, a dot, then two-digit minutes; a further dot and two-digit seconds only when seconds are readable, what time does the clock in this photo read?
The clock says 5.40
